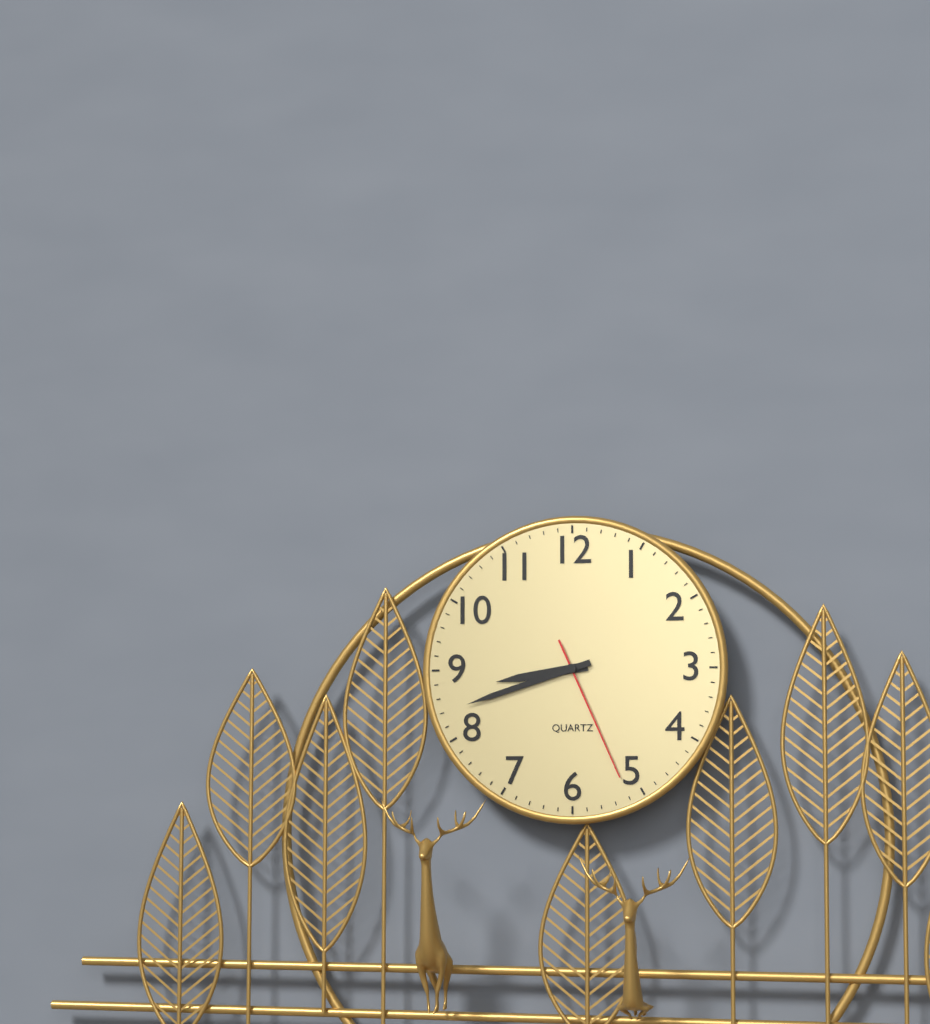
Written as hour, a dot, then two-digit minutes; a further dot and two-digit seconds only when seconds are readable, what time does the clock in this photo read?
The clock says 8.42.26
